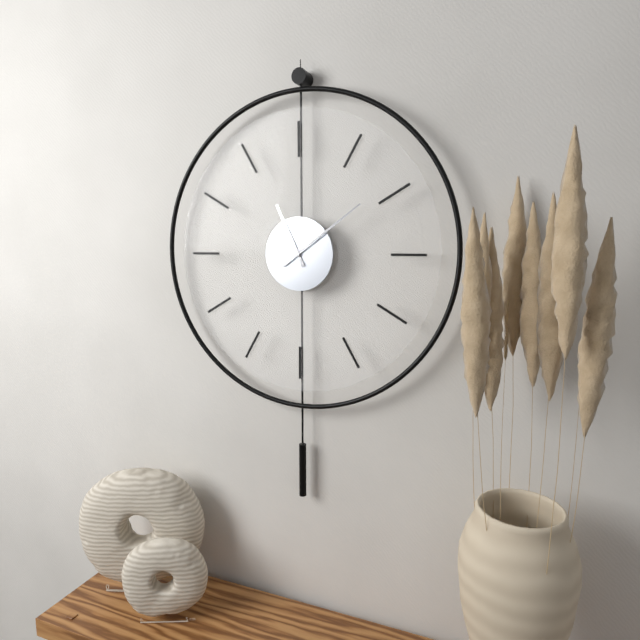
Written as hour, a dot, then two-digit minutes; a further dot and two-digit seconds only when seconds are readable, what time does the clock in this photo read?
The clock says 11.09
